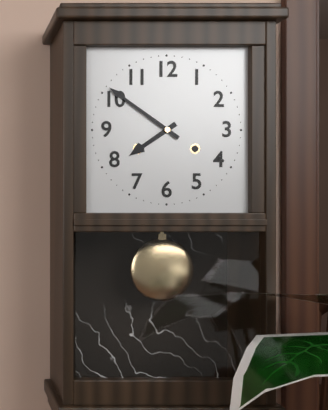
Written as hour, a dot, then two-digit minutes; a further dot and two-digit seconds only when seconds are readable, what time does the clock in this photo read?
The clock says 7.51
